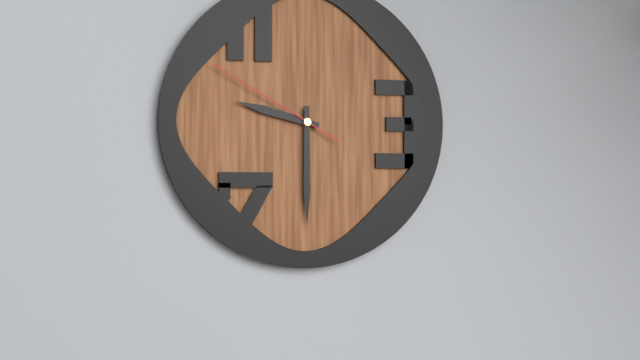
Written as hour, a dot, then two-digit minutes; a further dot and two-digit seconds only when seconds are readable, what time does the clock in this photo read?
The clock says 9.30.50
